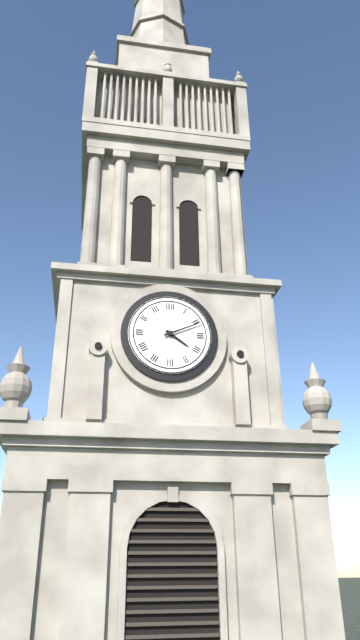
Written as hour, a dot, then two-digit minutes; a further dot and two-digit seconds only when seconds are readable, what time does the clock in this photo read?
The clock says 4.11
